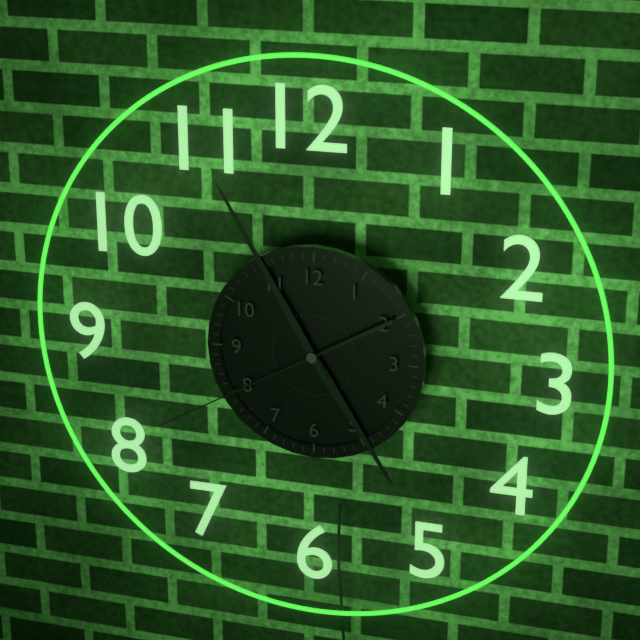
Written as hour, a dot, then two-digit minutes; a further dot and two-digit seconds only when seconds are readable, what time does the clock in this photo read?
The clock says 4.55.40
